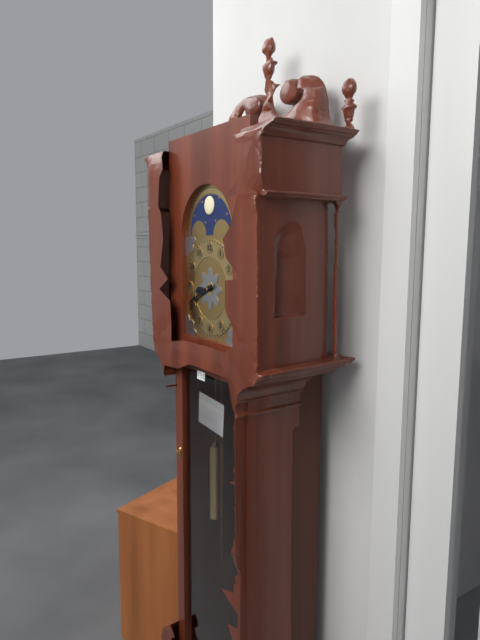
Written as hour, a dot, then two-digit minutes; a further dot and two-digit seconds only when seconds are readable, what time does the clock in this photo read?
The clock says 8.41
